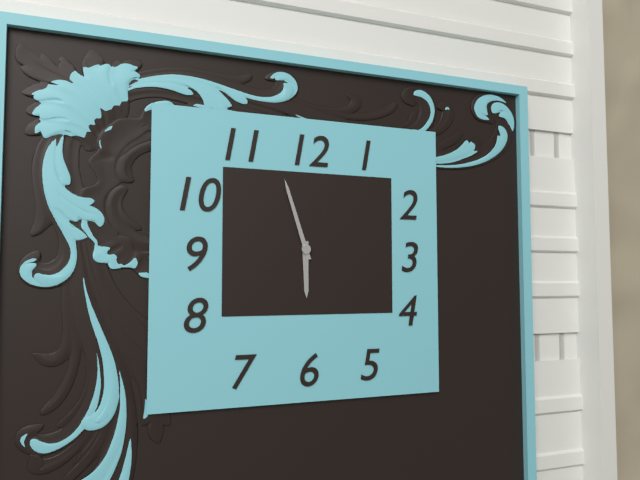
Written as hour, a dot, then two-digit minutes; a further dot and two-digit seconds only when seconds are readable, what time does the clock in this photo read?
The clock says 5.57
